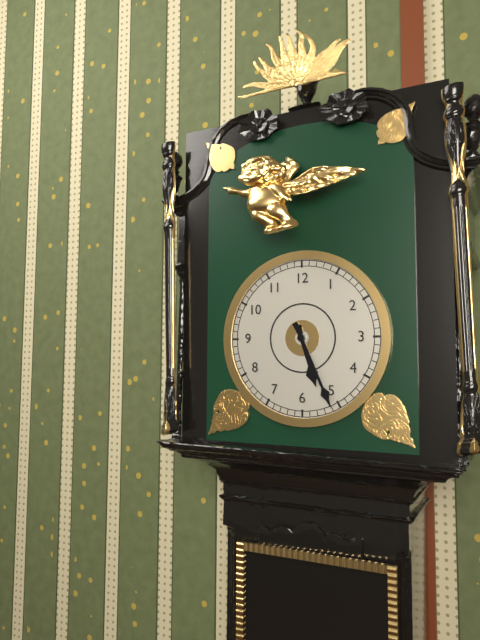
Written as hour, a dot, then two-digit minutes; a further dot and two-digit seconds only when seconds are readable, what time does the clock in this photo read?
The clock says 5.26
